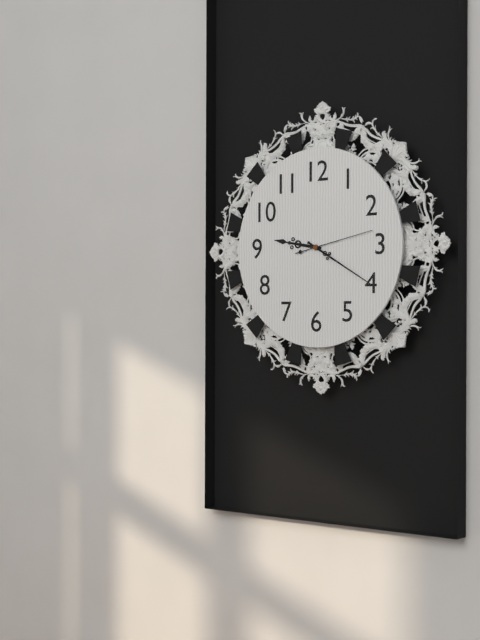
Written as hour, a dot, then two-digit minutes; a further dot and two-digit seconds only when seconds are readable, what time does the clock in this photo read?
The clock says 9.20.13
